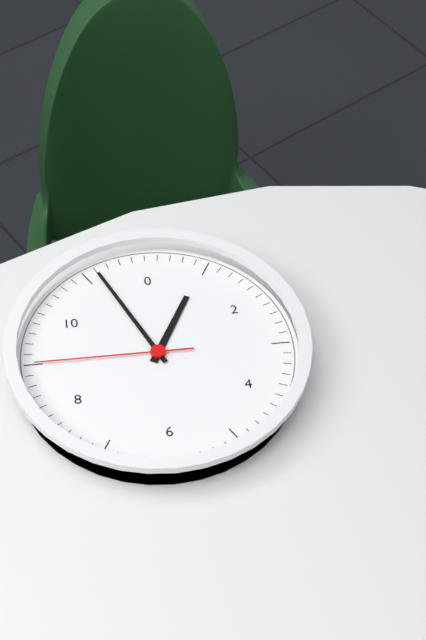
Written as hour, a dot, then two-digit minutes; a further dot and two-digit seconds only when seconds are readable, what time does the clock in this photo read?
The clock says 12.56.45
